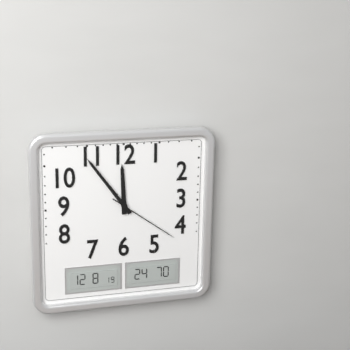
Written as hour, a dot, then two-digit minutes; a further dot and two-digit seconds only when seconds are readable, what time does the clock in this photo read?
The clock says 11.54.21
